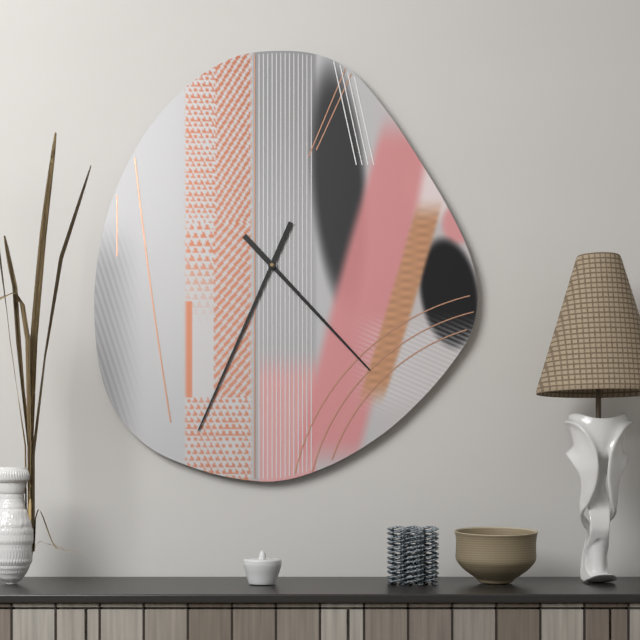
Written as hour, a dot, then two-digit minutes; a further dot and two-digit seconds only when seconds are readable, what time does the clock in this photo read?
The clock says 4.34
